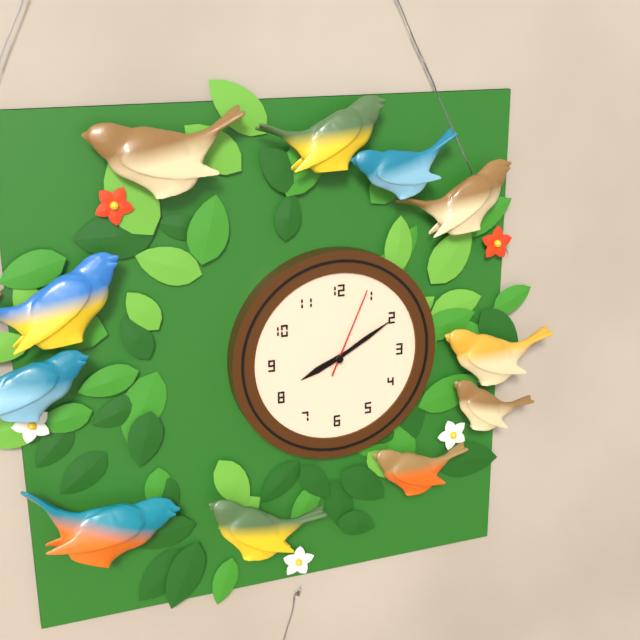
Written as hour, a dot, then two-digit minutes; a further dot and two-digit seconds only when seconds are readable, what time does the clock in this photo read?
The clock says 8.10.04
